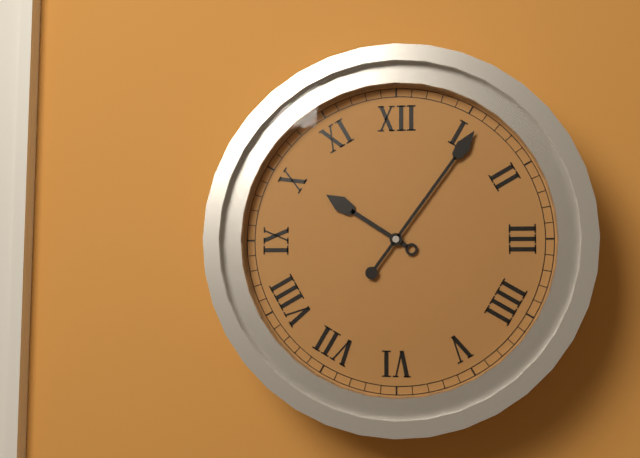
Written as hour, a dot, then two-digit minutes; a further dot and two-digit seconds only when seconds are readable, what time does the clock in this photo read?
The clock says 10.06
